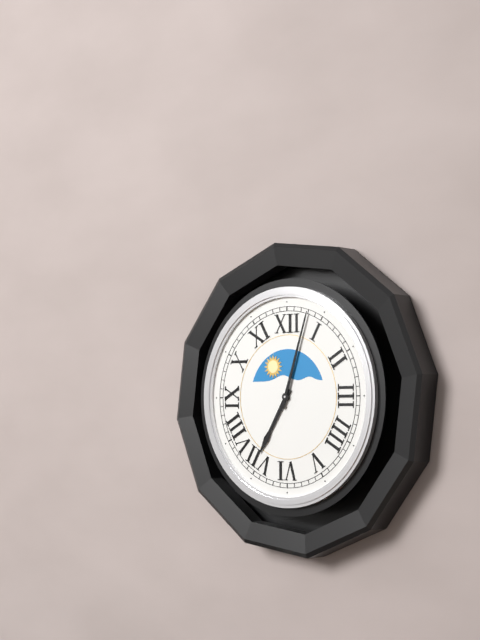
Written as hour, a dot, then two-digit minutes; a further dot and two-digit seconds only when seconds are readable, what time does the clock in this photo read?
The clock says 7.03
